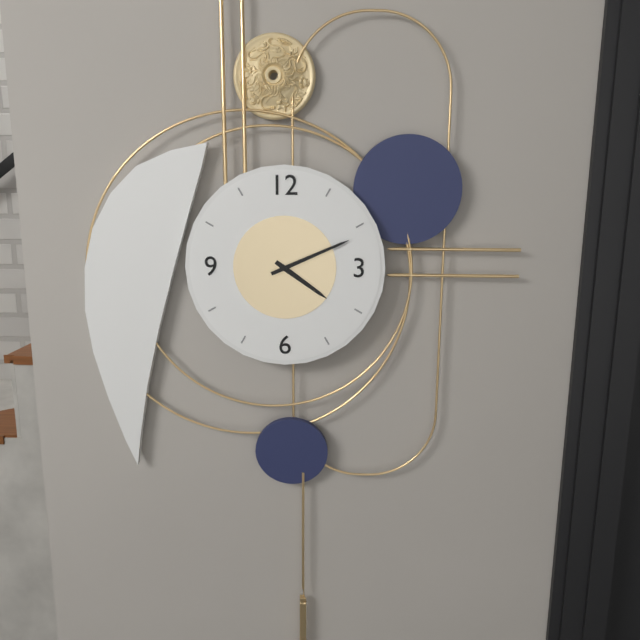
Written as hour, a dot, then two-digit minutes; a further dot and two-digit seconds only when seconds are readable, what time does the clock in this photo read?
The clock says 4.11
